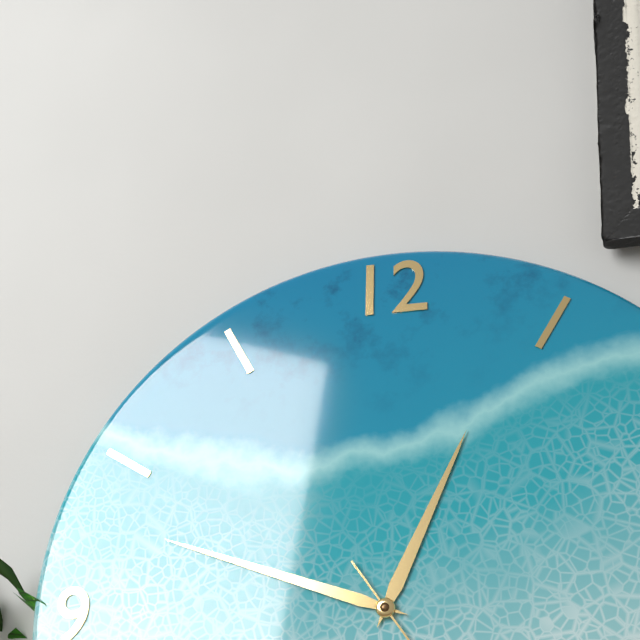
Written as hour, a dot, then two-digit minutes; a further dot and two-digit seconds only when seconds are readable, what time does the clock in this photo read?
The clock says 12.48
